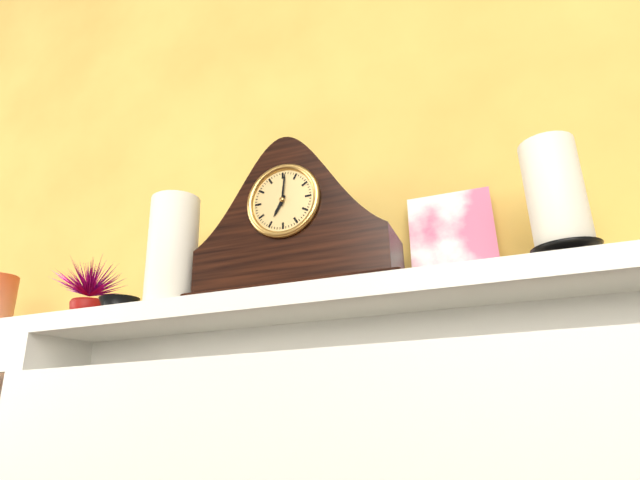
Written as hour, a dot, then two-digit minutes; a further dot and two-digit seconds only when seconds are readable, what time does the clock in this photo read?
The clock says 7.01
